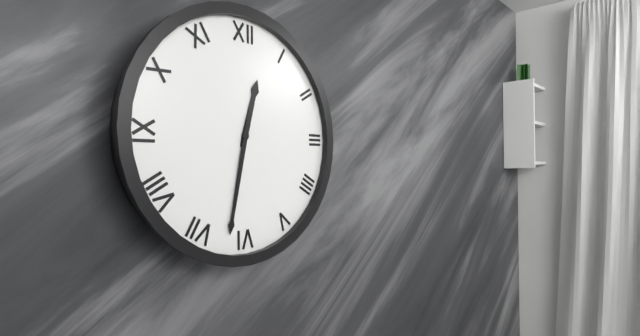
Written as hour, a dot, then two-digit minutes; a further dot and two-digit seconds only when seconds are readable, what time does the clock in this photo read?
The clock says 12.32
